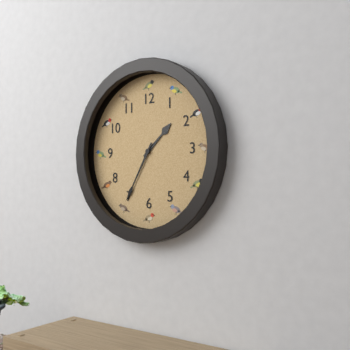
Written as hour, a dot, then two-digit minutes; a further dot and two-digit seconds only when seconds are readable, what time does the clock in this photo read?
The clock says 1.35
